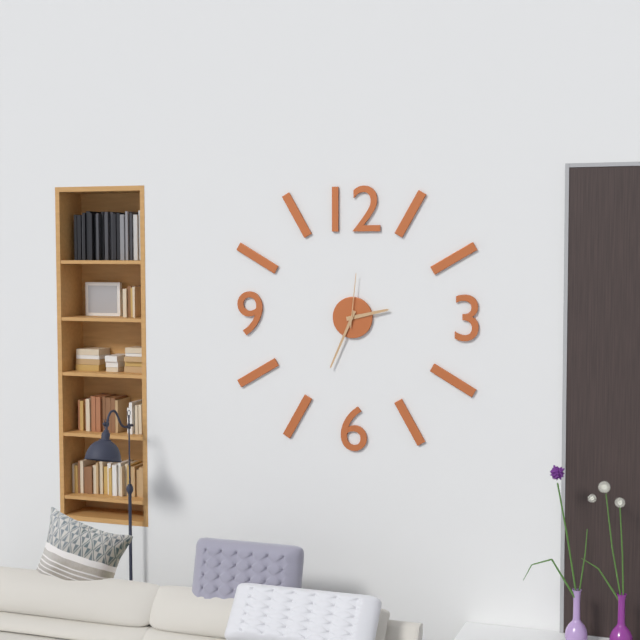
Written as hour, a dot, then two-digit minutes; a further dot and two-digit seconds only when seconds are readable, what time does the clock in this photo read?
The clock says 2.34.01
